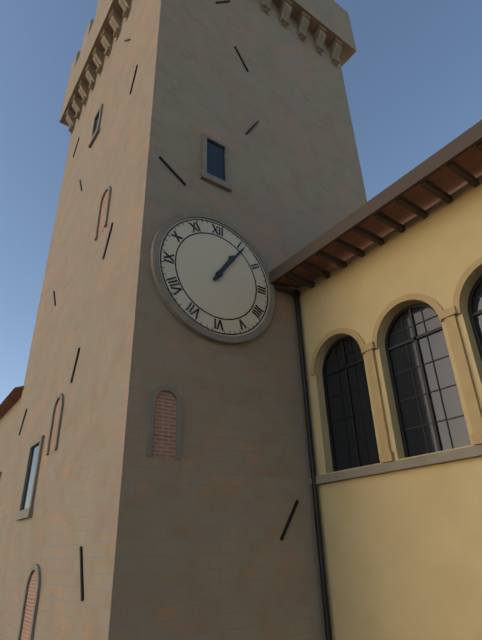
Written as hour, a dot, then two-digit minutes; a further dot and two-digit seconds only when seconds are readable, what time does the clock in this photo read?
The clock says 1.06
